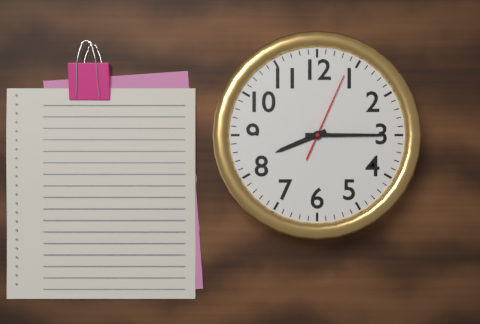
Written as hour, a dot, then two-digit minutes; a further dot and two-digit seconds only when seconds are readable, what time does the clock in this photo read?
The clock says 8.15.04
